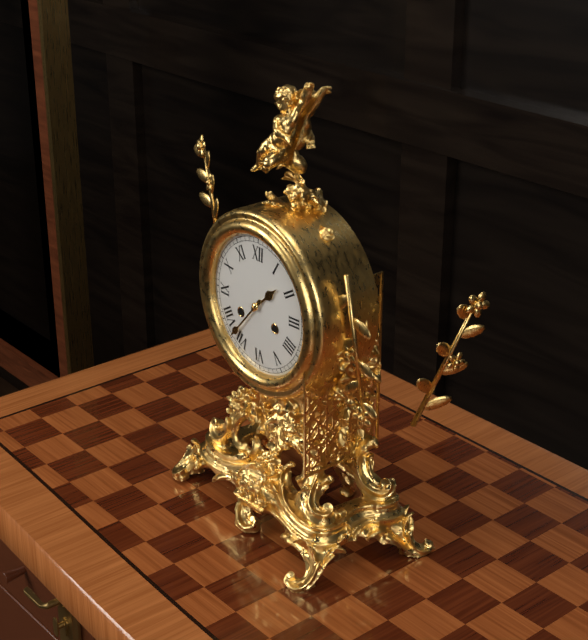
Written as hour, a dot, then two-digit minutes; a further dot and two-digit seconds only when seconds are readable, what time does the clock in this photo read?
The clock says 1.37
